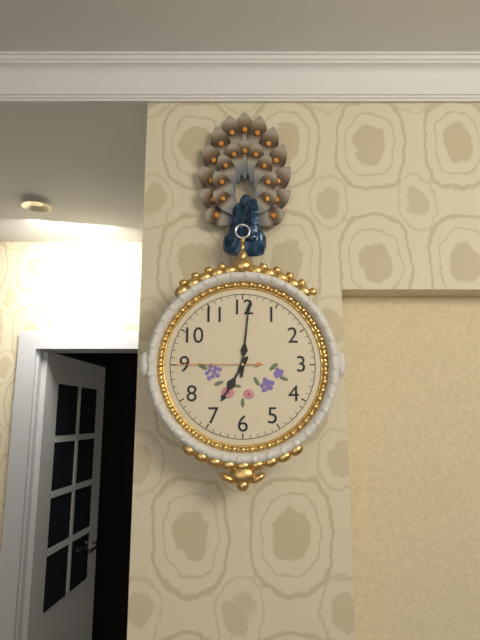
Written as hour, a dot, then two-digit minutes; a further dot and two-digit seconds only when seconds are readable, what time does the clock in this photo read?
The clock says 7.01.45
